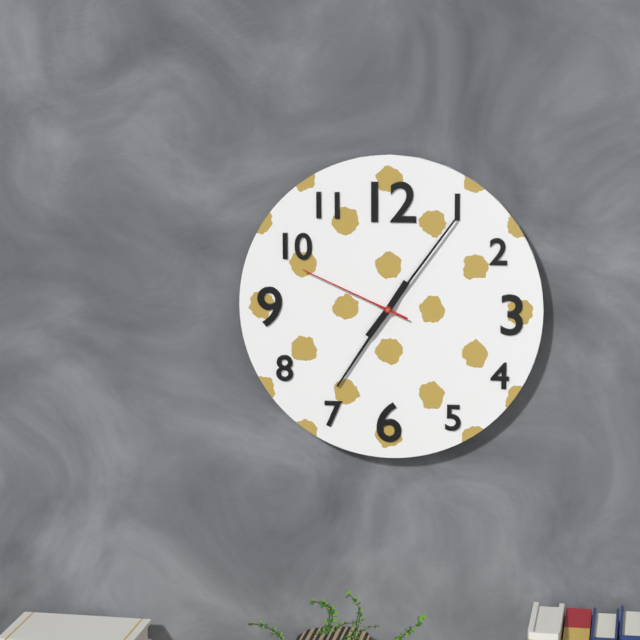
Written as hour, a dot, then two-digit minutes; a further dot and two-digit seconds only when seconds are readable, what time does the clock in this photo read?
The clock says 7.06.49
